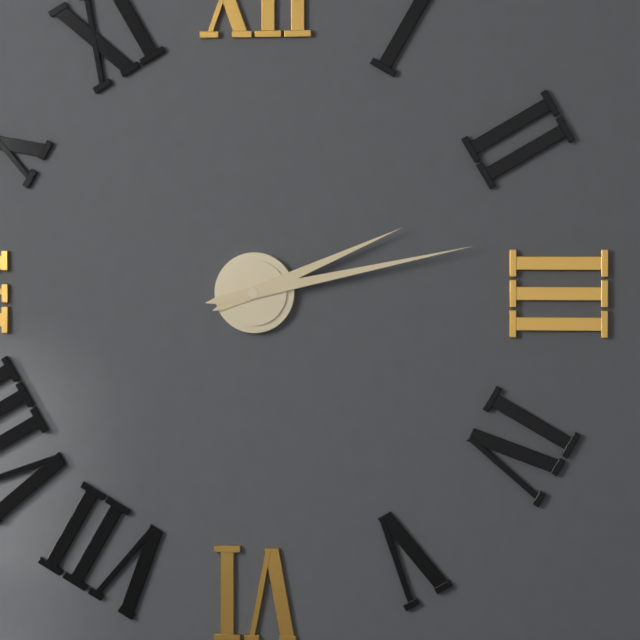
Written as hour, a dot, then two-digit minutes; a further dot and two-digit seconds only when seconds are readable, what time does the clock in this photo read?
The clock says 2.13
